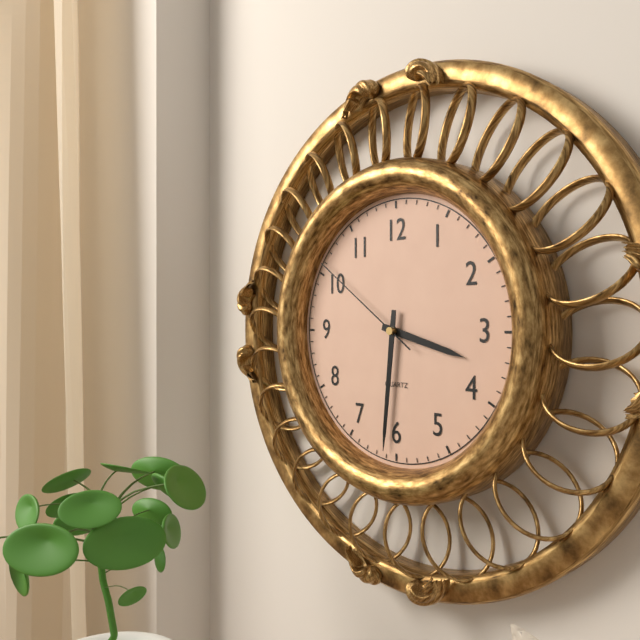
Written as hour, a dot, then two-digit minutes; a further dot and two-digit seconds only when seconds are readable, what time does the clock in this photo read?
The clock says 3.31.51
